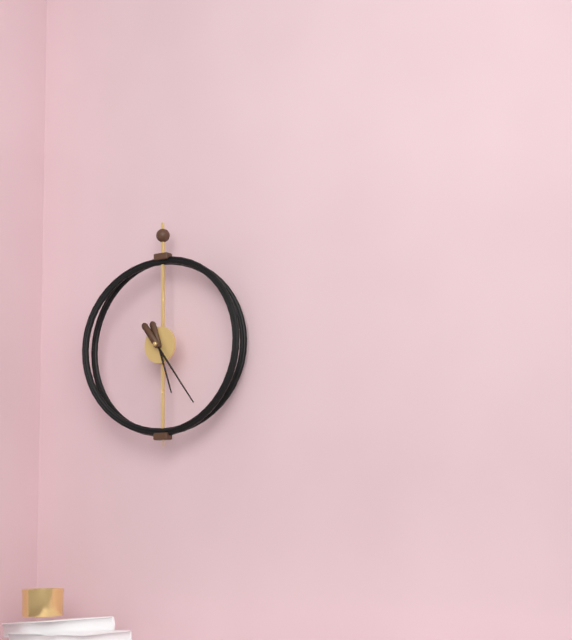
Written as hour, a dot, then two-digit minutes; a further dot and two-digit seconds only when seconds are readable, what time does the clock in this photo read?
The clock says 5.24
